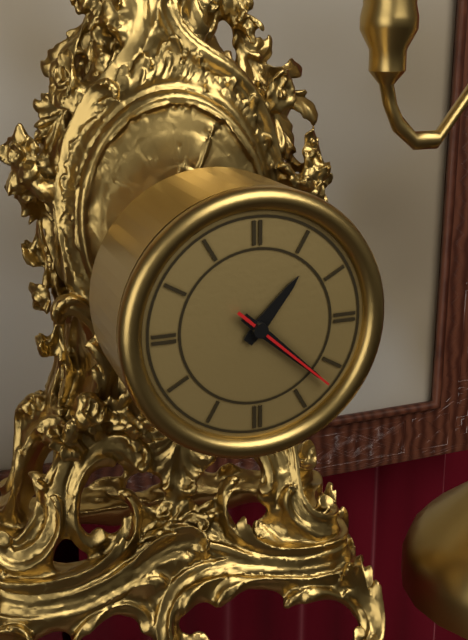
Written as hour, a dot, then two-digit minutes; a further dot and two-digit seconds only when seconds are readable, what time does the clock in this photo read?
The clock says 1.22.22
